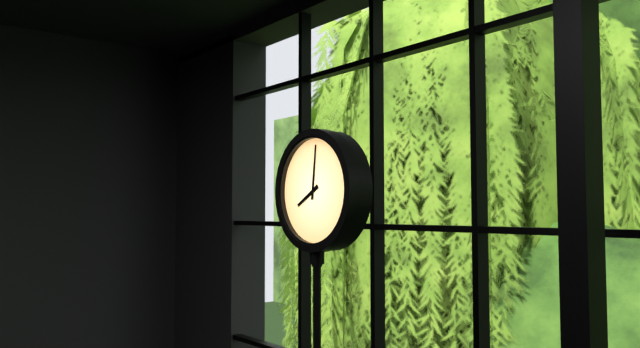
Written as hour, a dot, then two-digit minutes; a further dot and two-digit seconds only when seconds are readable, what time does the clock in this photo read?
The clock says 8.01
